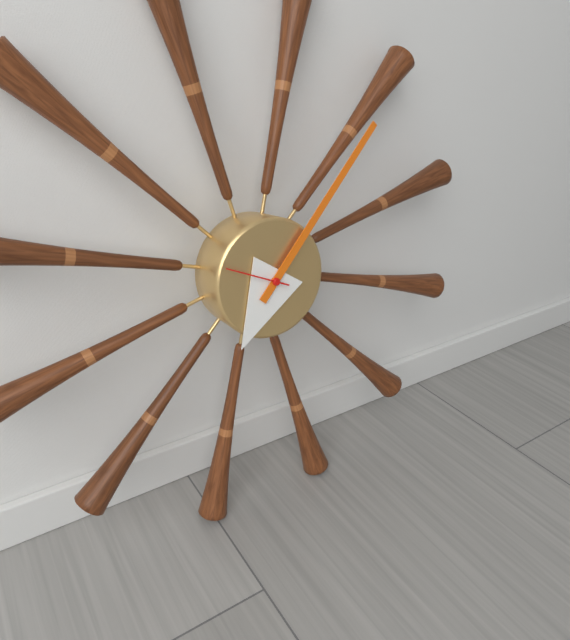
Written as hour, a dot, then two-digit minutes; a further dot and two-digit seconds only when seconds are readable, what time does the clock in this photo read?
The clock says 7.07
